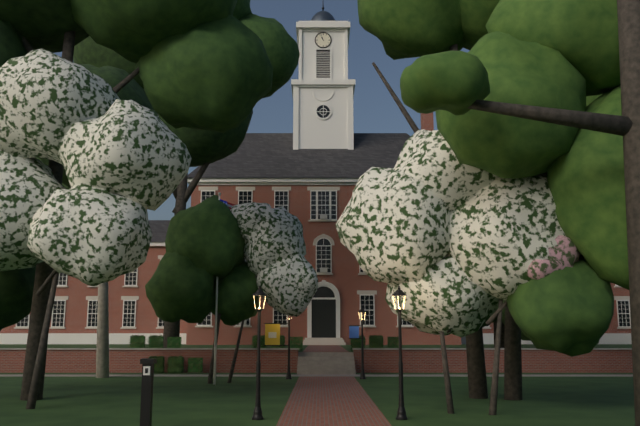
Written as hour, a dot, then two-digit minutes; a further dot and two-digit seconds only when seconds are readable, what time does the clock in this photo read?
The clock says 10.57
